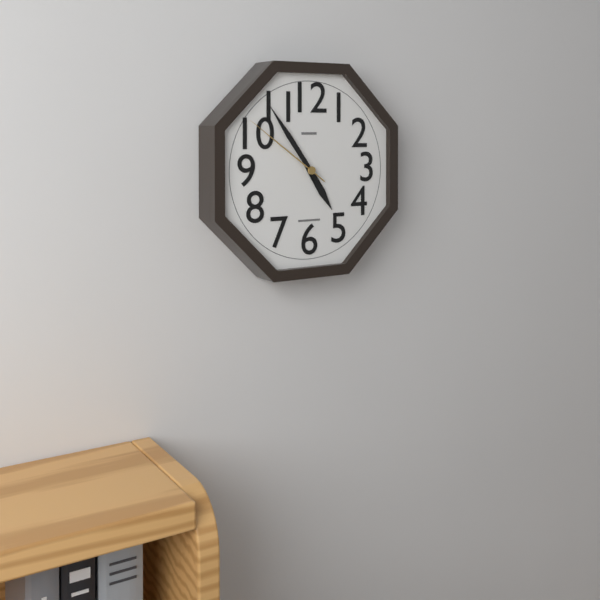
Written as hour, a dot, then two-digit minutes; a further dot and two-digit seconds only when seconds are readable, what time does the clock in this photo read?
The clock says 4.54.51
